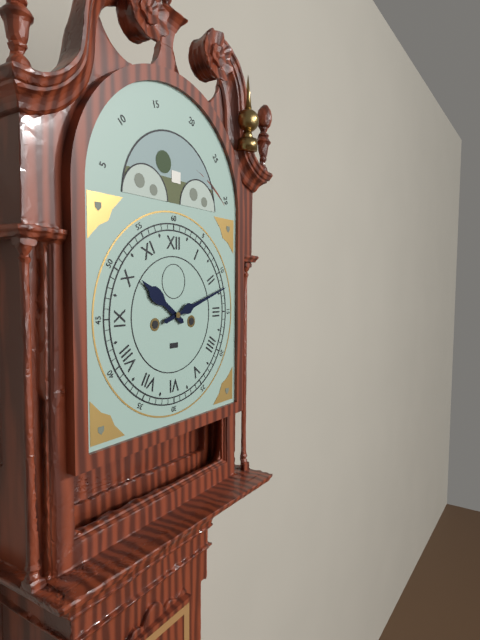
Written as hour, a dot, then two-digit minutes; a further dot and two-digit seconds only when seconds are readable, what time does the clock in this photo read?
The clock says 10.12
